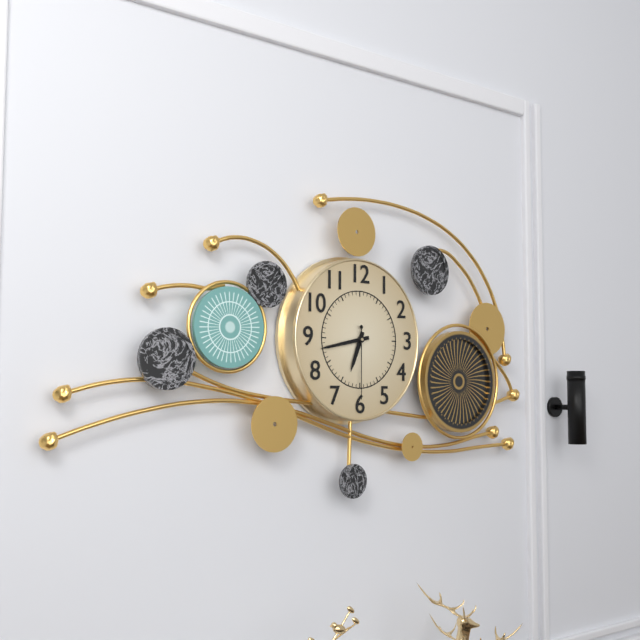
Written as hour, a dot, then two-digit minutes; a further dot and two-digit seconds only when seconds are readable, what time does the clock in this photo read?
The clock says 6.43.30
